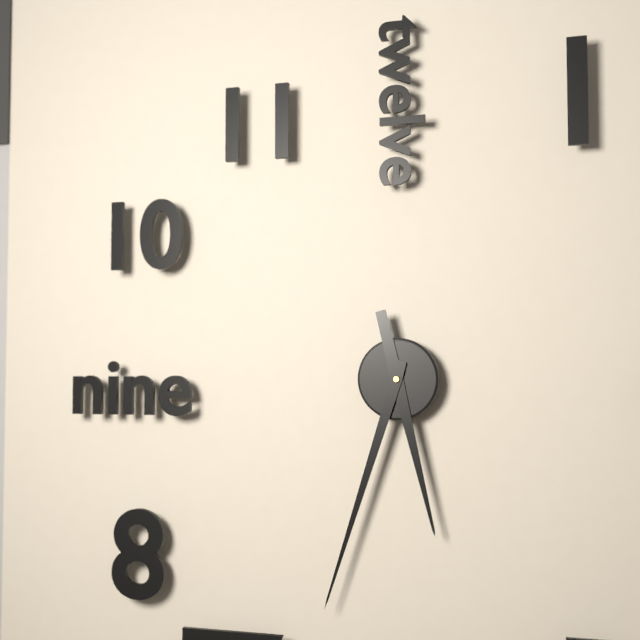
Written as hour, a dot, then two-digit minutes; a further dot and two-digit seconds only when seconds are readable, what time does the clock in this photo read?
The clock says 5.33
